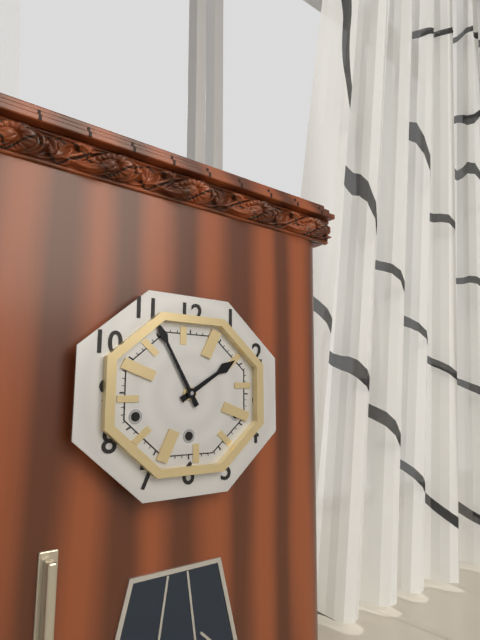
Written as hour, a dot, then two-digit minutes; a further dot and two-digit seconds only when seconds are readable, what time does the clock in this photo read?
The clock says 1.55
